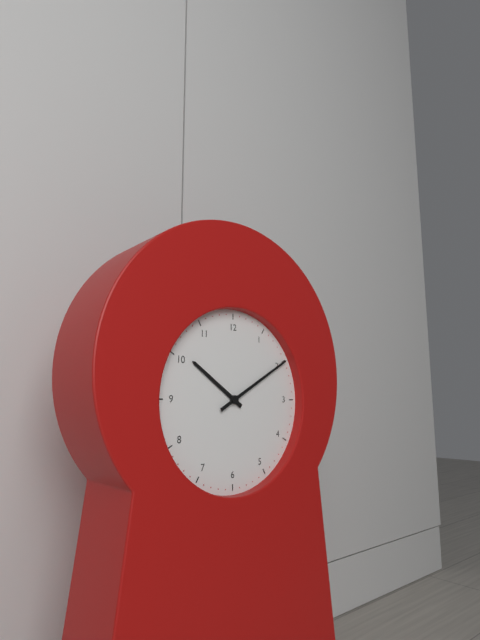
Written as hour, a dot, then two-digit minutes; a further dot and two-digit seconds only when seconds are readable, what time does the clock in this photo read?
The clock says 10.10
